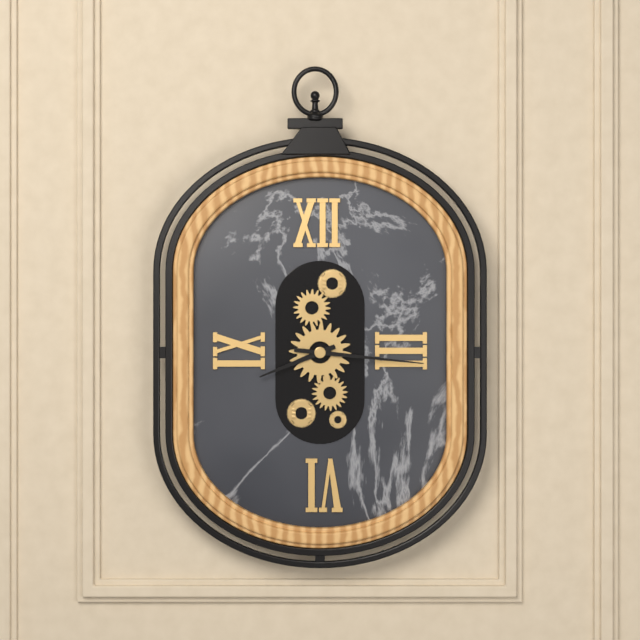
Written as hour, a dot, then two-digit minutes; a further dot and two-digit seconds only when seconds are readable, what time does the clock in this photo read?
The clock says 8.16
